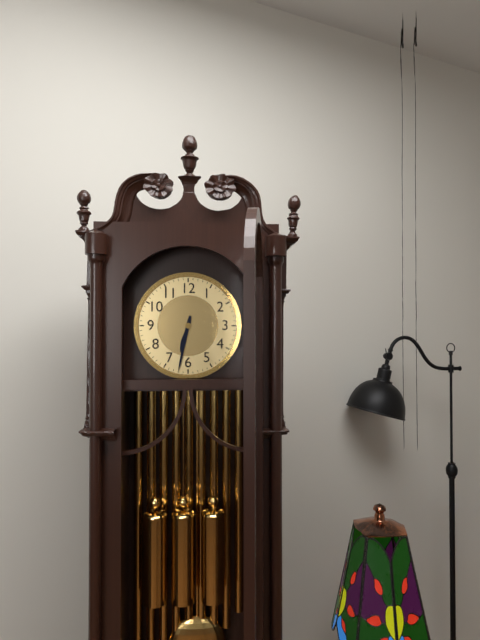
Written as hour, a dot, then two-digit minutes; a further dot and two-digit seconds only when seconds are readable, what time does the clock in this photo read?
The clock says 6.32
